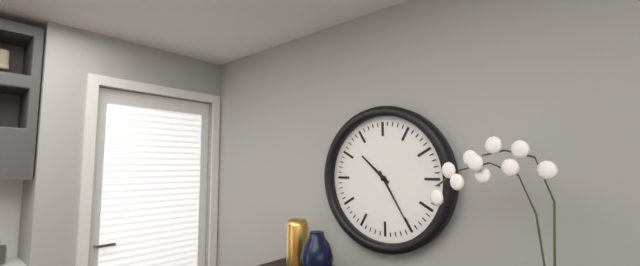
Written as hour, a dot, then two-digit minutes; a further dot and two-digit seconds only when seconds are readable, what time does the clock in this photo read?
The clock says 10.25
